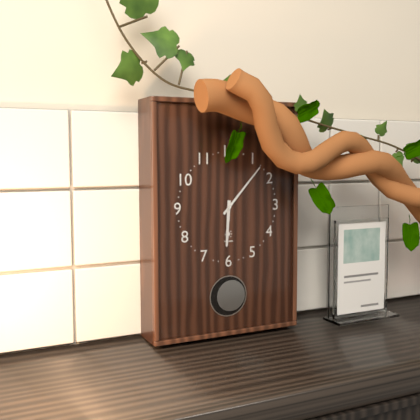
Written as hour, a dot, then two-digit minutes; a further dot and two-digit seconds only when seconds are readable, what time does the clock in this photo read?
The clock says 6.07
